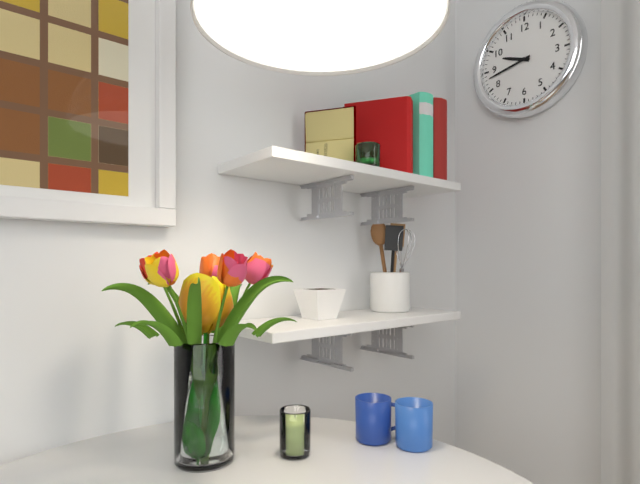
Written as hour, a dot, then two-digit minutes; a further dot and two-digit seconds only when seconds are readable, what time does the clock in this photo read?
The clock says 9.43
